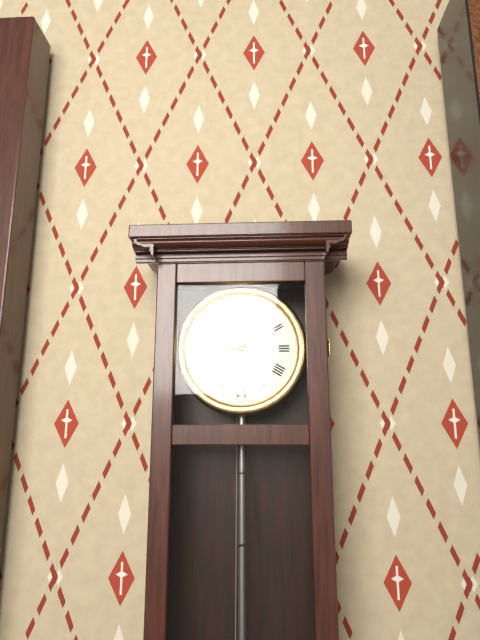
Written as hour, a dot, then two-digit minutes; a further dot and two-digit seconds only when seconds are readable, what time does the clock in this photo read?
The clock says 1.45
